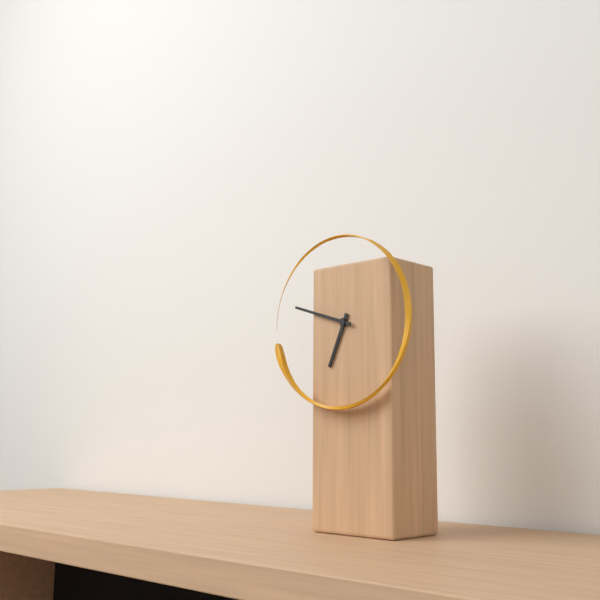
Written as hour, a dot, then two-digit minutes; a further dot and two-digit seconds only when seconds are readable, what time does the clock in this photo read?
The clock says 6.48
